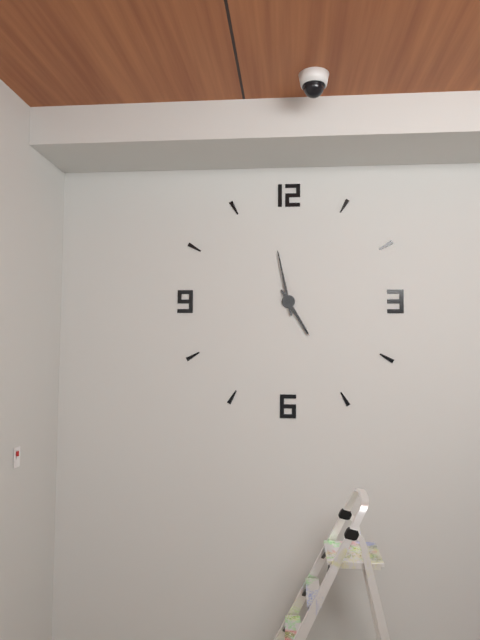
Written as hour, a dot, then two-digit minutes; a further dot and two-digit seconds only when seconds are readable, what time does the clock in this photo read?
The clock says 4.58
